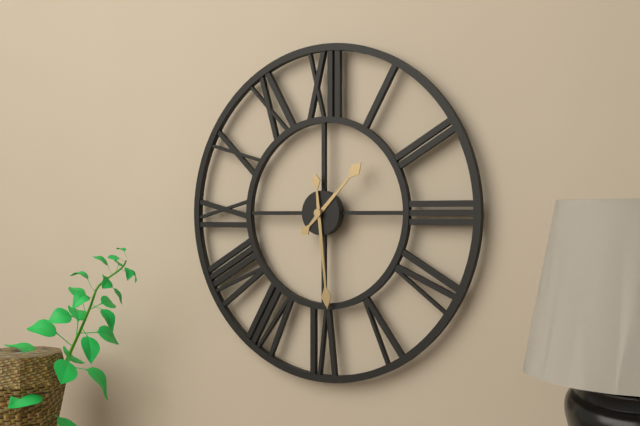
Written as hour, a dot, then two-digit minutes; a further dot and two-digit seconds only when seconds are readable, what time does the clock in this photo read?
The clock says 1.29
